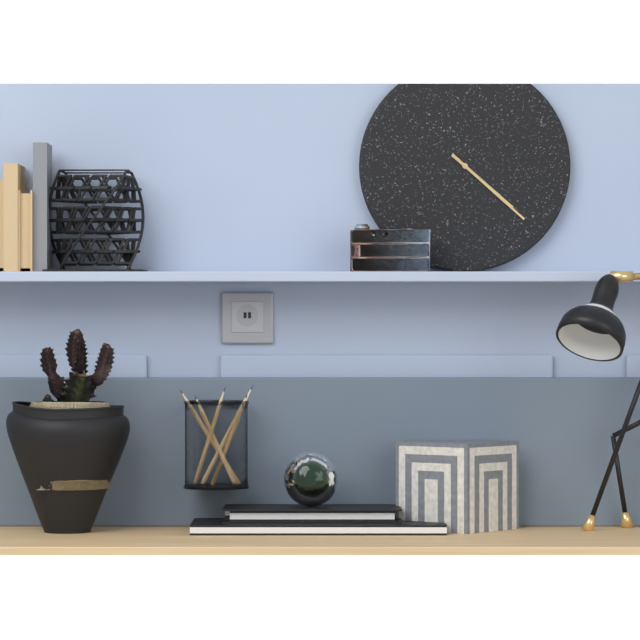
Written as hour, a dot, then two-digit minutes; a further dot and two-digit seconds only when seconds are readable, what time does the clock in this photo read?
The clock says 4.22
